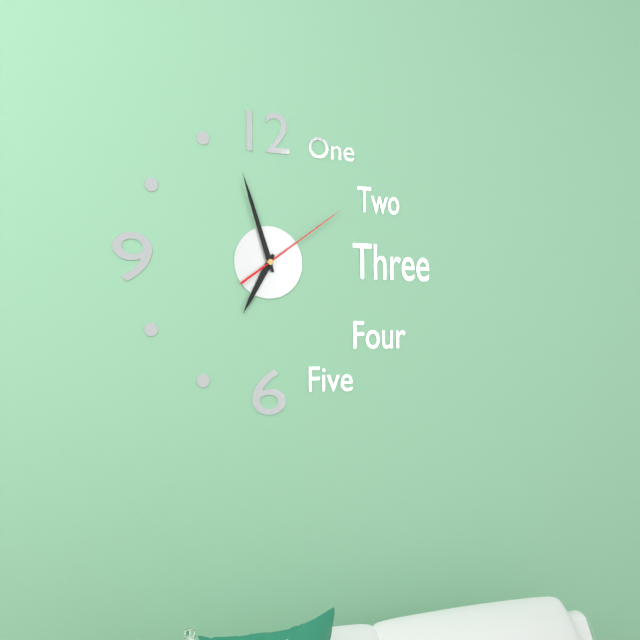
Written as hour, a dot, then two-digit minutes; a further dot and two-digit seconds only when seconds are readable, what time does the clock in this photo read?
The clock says 6.57.09
